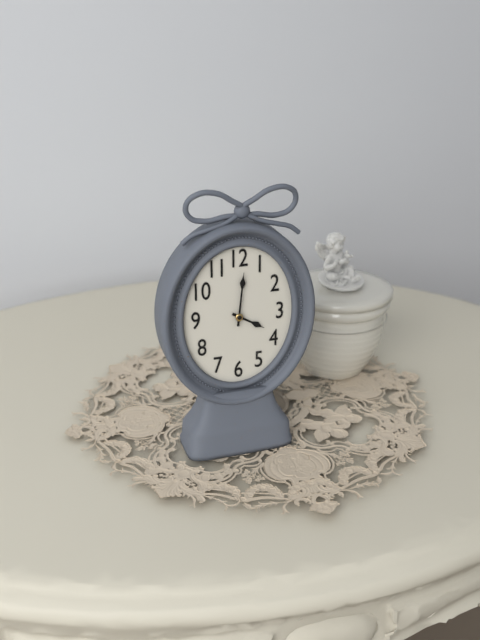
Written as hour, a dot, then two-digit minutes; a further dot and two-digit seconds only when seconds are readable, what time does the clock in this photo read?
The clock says 4.01
